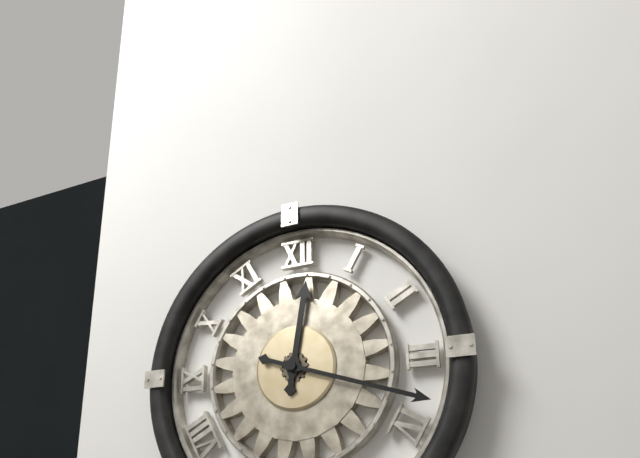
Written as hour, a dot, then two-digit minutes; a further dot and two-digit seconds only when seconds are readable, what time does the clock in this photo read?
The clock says 12.18
